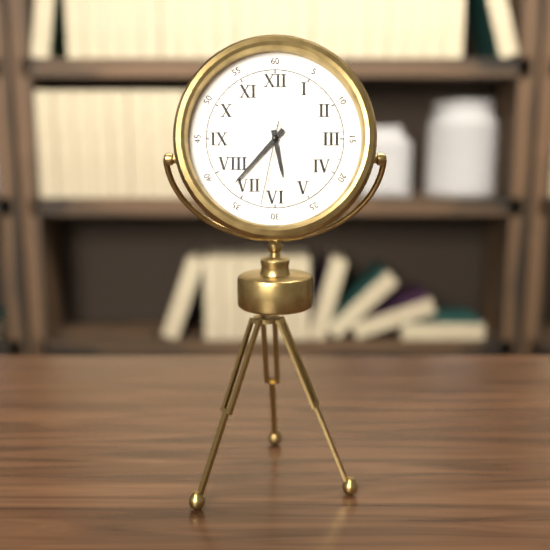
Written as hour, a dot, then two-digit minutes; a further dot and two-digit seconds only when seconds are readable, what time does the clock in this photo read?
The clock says 5.37.32
